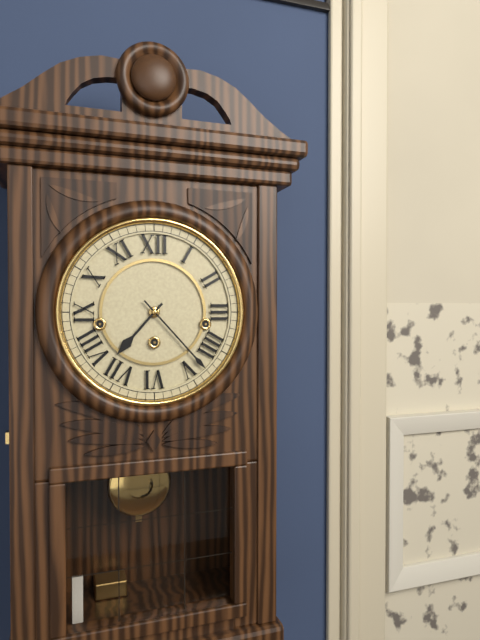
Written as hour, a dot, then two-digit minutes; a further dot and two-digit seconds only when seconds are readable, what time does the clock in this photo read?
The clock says 7.23
